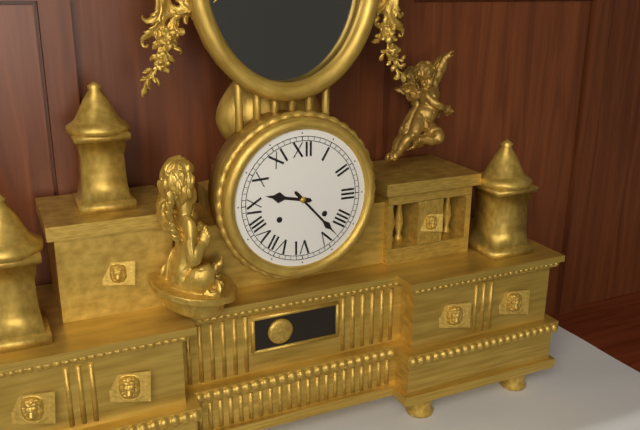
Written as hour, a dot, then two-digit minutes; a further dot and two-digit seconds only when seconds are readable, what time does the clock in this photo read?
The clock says 9.23
